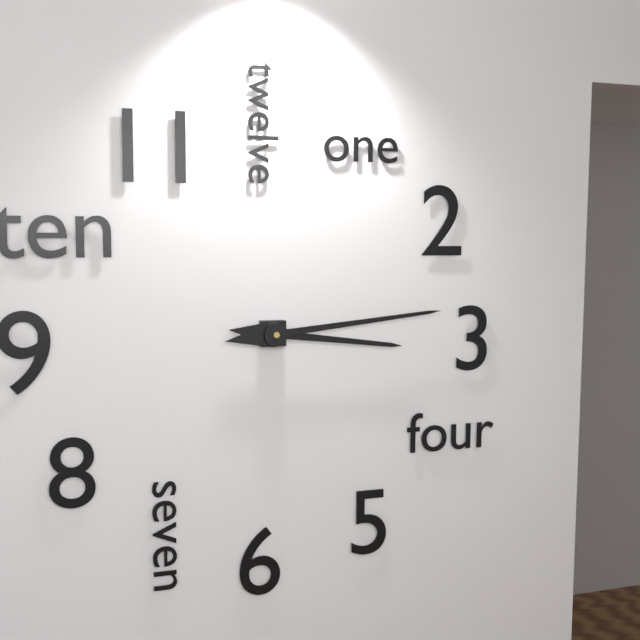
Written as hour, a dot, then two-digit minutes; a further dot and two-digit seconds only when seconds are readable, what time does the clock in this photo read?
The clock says 3.14
